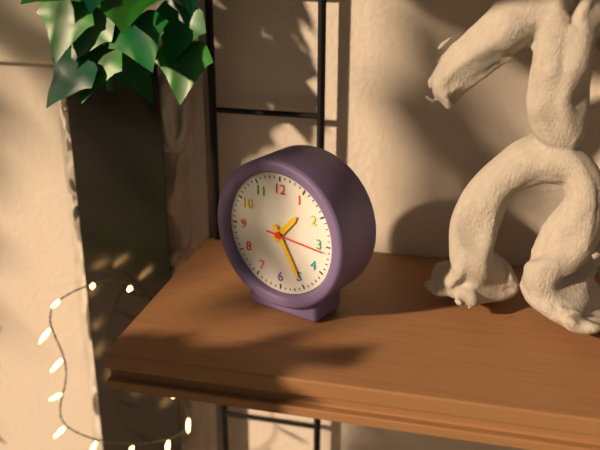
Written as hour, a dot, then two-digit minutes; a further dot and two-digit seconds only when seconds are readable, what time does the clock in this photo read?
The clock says 1.25
